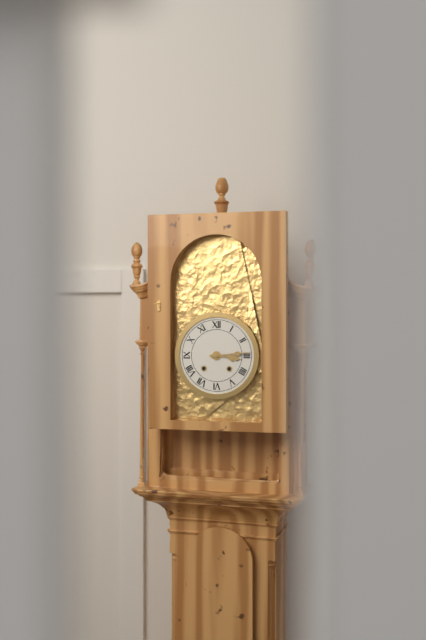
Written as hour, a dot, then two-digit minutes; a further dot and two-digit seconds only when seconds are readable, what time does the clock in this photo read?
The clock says 3.14
